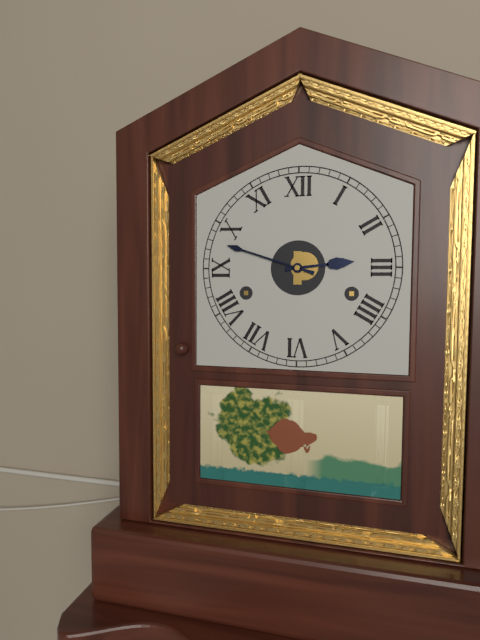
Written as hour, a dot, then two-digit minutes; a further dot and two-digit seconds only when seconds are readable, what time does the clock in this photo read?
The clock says 2.48
